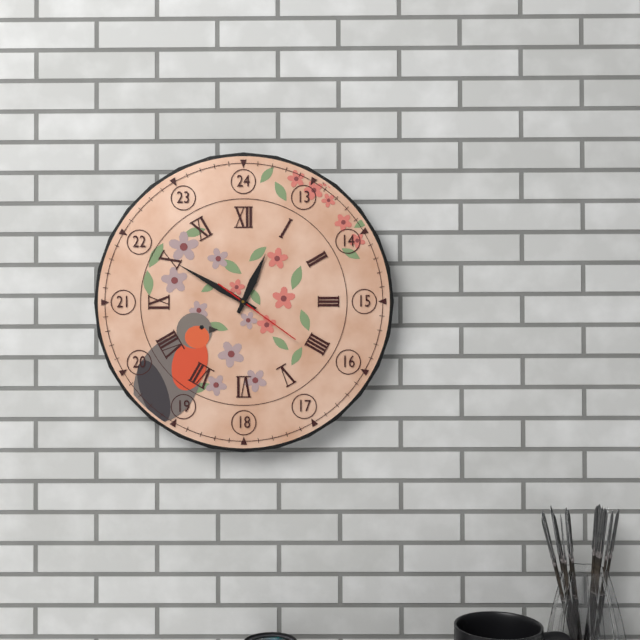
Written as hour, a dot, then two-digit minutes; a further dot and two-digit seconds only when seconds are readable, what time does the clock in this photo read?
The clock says 12.50.21
